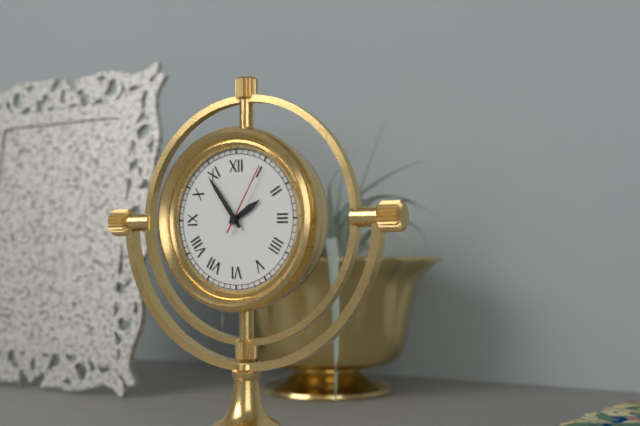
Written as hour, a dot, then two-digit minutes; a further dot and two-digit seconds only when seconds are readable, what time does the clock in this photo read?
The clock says 1.54.05
